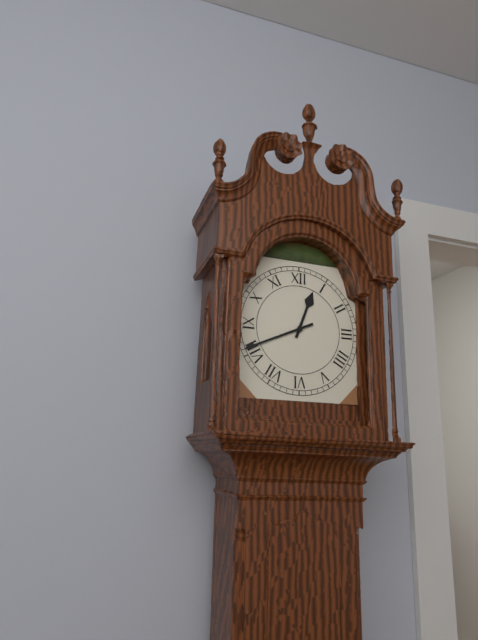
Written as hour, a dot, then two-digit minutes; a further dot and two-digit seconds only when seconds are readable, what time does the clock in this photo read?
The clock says 12.41
